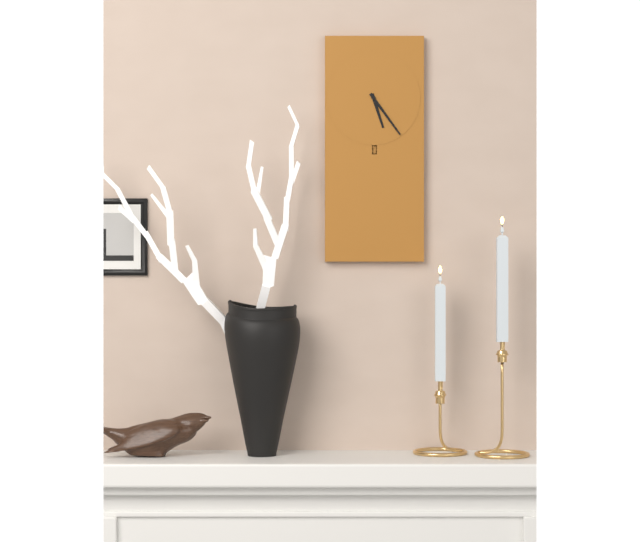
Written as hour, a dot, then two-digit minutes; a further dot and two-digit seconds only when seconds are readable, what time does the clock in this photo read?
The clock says 5.24
